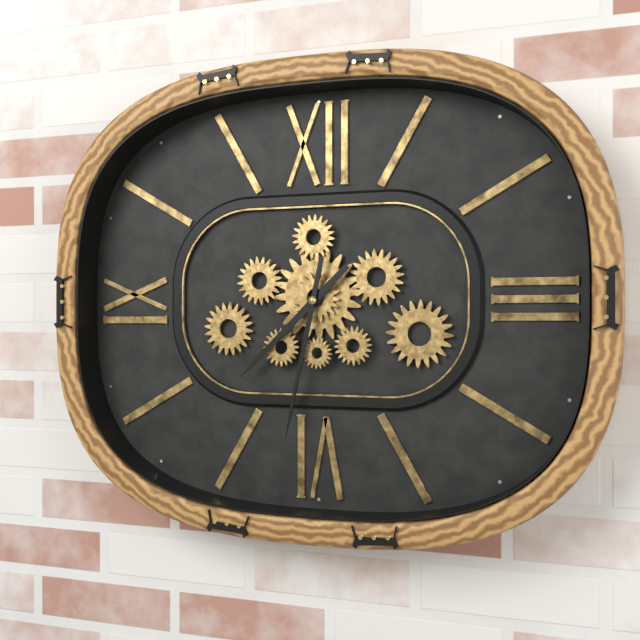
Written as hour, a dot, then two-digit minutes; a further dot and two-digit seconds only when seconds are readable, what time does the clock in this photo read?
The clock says 7.32
